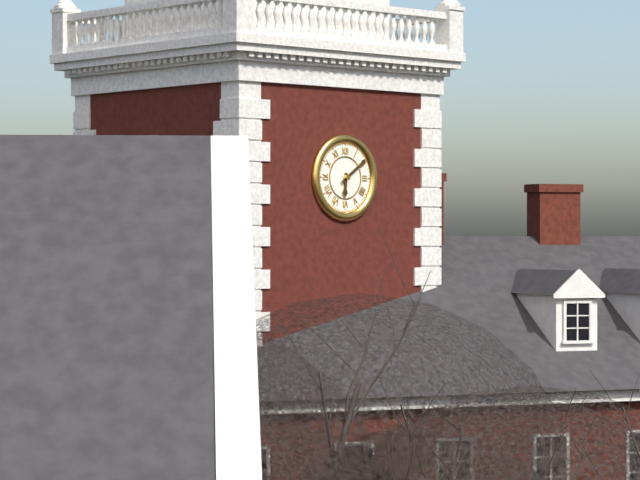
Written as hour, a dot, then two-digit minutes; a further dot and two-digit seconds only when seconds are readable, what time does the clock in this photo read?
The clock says 6.09
